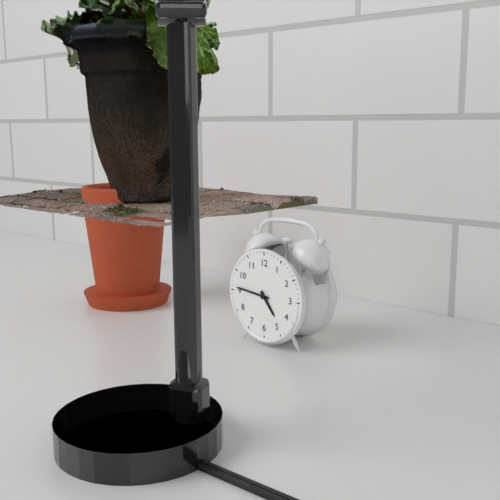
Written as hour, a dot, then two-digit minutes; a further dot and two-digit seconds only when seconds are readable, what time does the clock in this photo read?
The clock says 4.46
